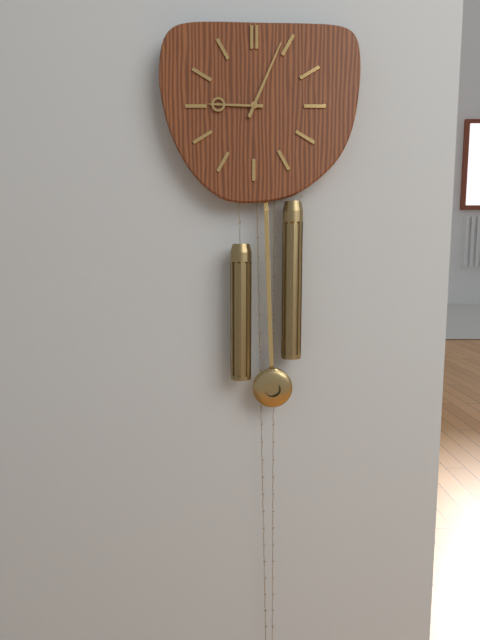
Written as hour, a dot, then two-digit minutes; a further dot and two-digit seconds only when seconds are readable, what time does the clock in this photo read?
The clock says 9.04
